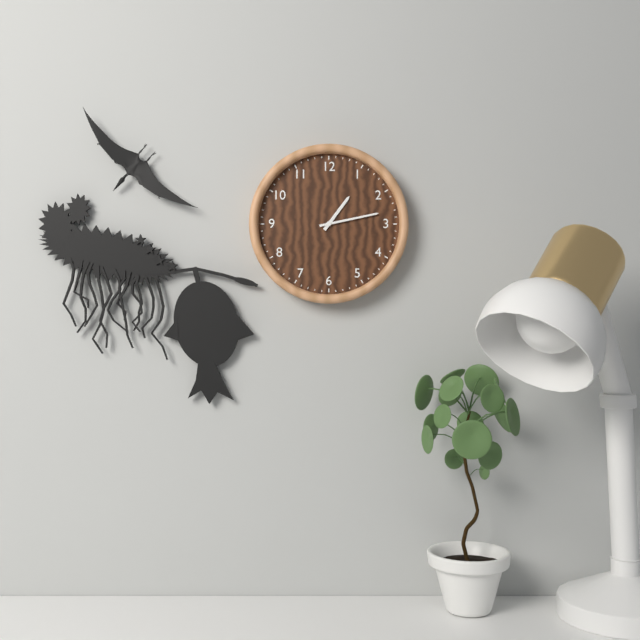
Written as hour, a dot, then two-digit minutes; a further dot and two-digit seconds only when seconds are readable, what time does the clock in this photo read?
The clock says 1.13
